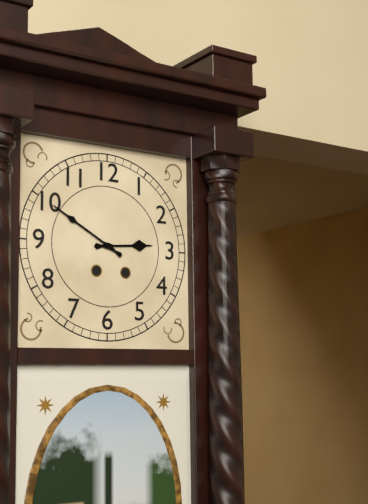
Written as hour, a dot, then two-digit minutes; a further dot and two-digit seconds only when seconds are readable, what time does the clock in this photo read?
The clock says 2.50
